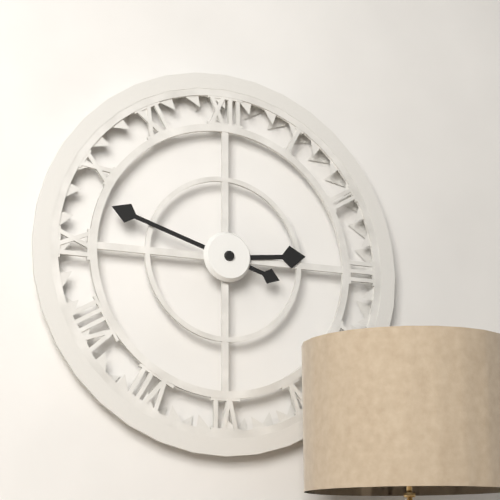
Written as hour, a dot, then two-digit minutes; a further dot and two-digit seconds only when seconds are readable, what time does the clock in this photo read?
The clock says 2.48
